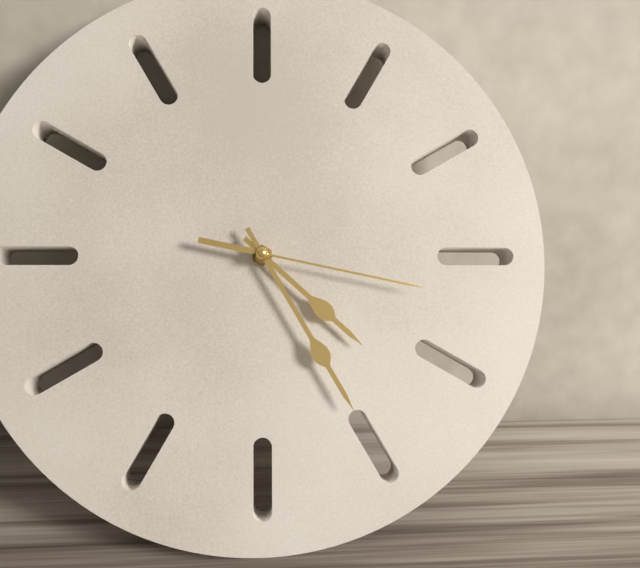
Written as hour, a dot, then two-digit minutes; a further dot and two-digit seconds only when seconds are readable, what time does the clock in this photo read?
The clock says 4.25.17
